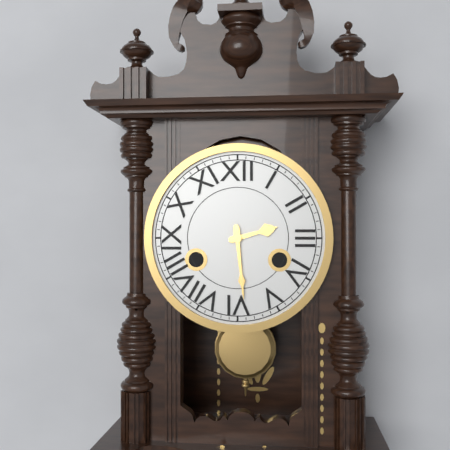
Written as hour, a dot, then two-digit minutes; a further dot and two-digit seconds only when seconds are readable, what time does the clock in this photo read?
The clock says 2.29
